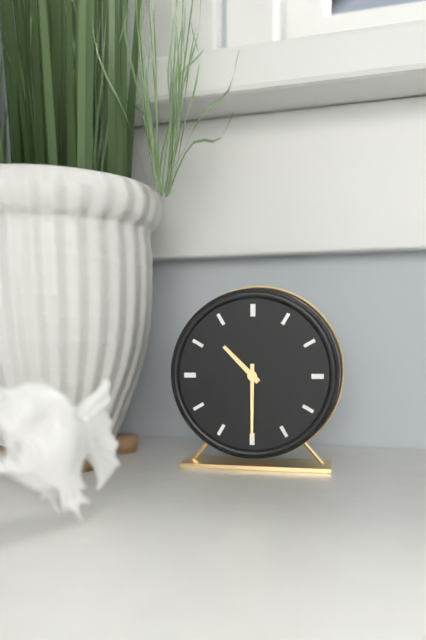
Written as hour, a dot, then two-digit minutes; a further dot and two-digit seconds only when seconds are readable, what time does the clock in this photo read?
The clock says 10.30
